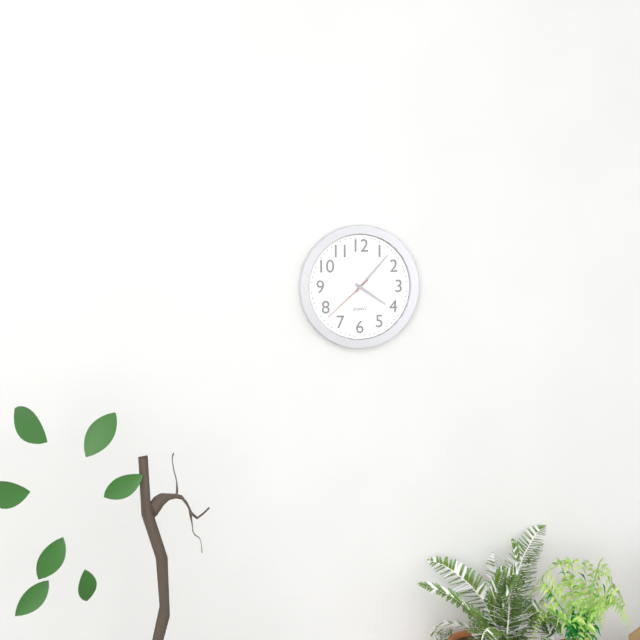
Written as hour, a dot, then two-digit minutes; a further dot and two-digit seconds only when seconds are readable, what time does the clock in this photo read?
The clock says 4.07.38
